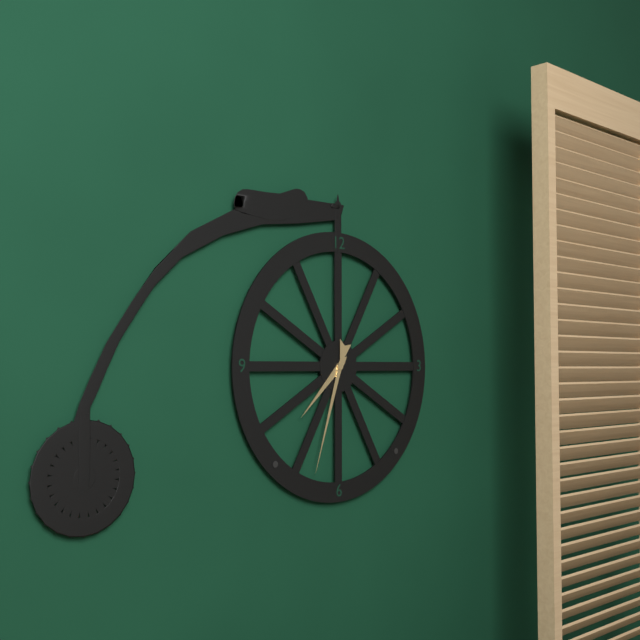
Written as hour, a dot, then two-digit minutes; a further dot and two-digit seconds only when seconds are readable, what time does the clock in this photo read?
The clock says 7.33
